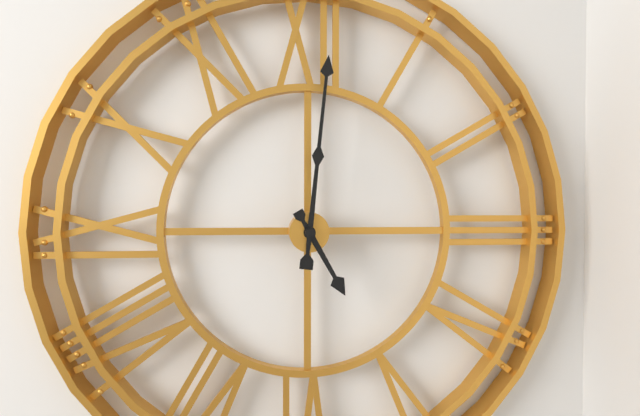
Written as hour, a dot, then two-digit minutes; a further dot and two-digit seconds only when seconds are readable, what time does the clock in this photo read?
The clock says 5.01
